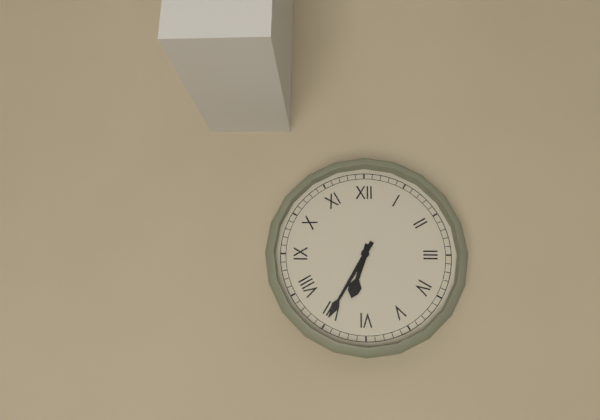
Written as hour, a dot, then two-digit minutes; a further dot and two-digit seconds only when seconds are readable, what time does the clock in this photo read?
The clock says 6.35
